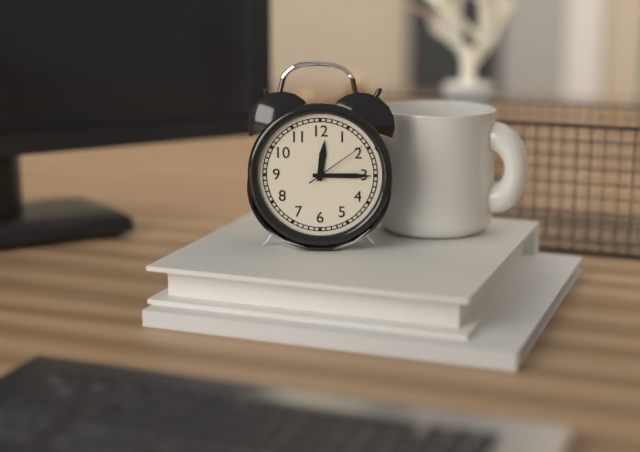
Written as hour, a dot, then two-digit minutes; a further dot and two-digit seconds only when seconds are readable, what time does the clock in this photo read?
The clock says 12.15.09
